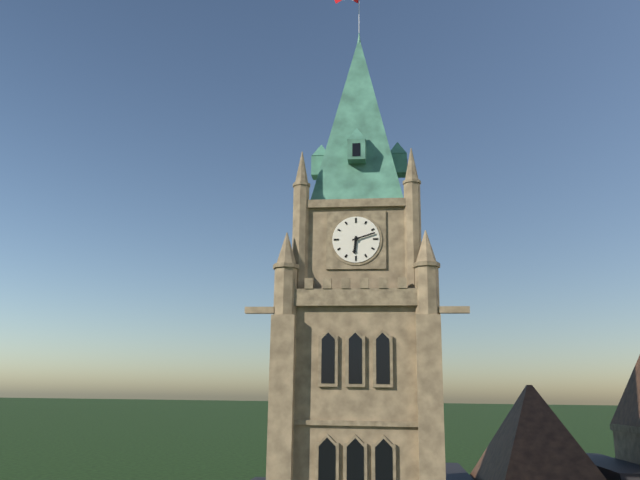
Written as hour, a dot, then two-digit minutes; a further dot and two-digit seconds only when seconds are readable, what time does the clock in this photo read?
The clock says 6.12
